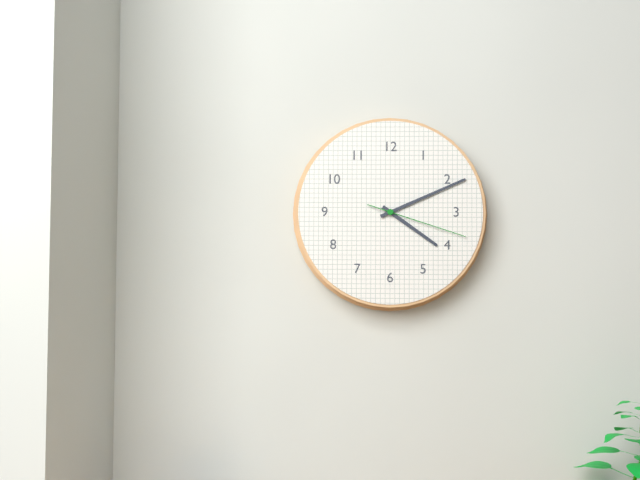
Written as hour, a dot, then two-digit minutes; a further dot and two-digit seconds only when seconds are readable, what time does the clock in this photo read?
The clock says 4.11.18
